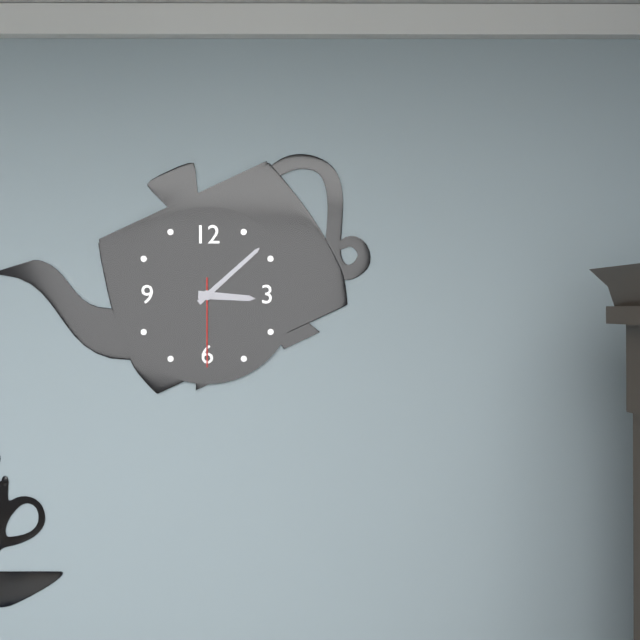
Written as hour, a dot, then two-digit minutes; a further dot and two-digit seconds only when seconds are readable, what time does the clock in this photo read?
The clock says 3.08.30
